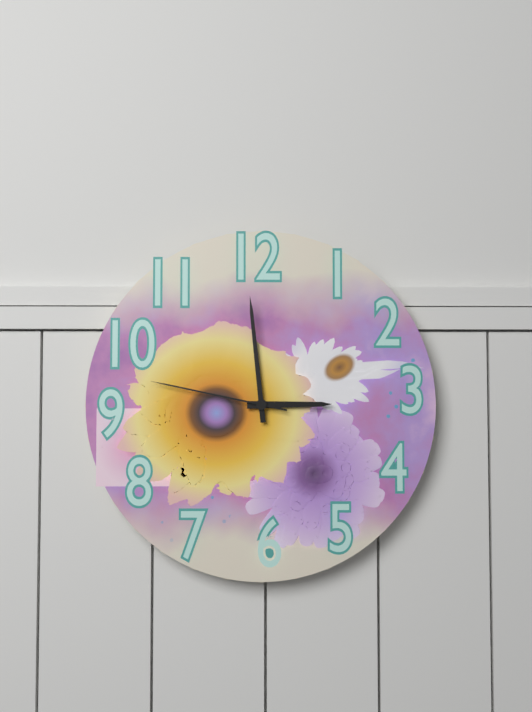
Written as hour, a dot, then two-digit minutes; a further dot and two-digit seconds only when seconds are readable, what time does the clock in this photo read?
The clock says 2.59.47
